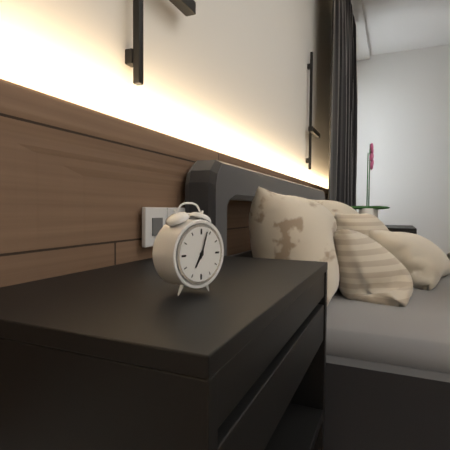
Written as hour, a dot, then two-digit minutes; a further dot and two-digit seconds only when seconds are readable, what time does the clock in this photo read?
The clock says 7.03
